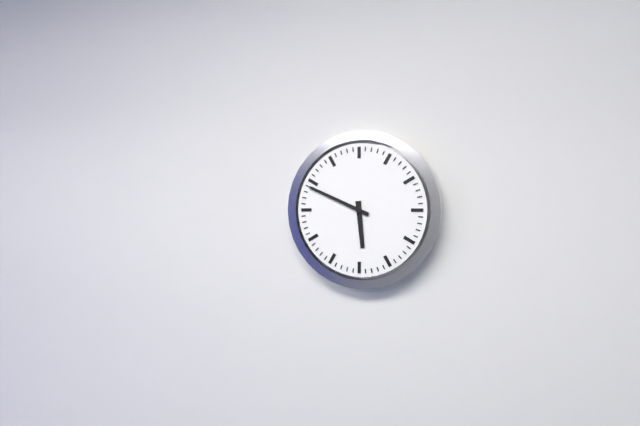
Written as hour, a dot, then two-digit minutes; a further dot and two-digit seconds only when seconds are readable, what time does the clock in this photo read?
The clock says 5.49
